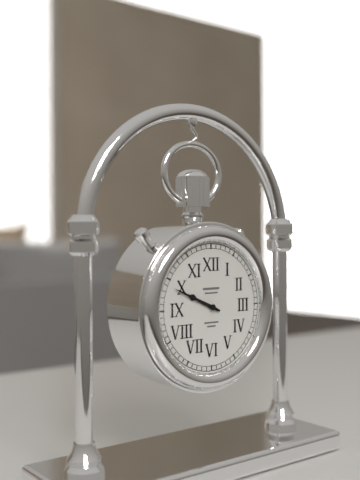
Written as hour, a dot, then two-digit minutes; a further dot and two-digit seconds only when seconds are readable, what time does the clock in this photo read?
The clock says 9.49
